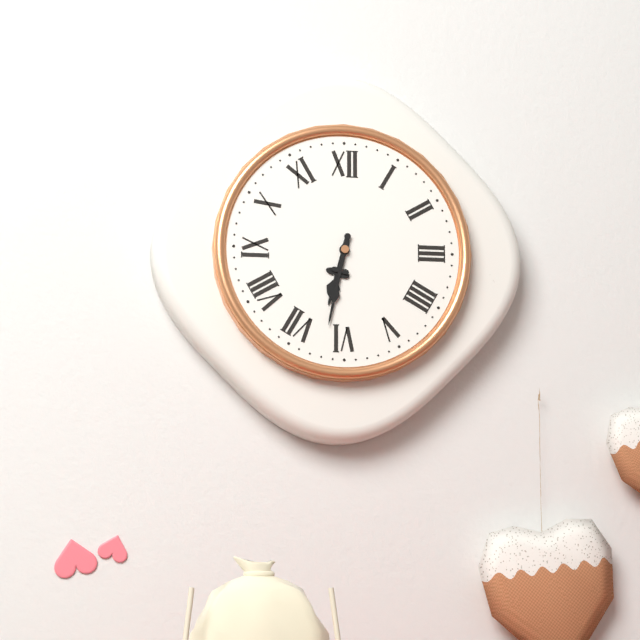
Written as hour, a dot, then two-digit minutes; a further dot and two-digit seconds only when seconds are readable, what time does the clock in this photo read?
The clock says 6.32
